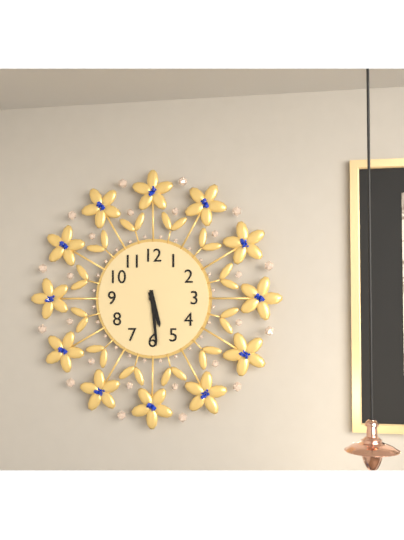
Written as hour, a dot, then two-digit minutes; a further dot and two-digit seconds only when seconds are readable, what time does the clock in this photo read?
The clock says 5.29
